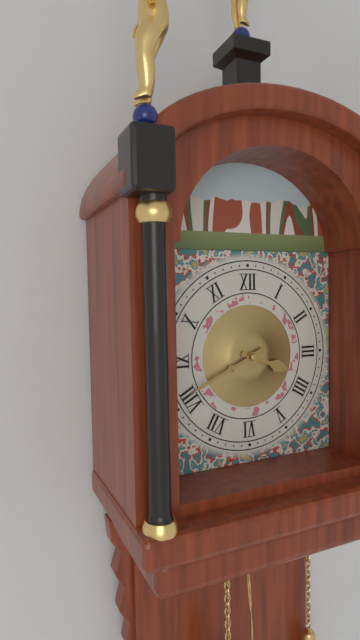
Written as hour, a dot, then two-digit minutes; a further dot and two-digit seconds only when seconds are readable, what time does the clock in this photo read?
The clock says 3.41
